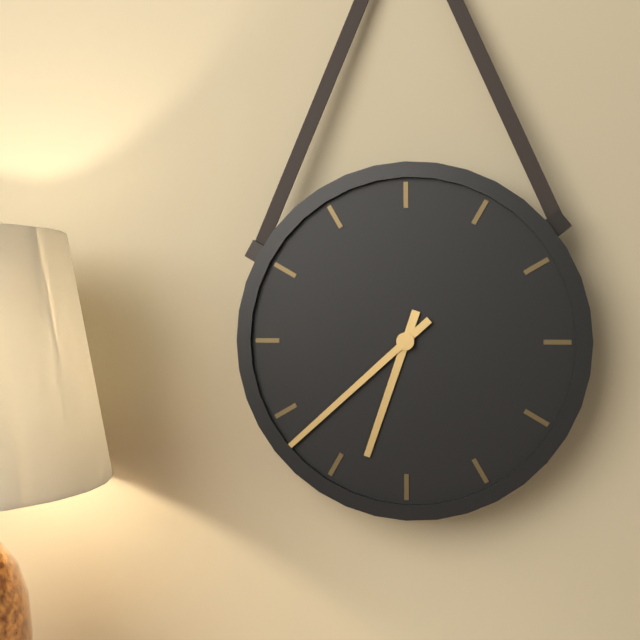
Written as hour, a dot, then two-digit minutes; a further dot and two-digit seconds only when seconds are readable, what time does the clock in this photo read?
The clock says 6.38
